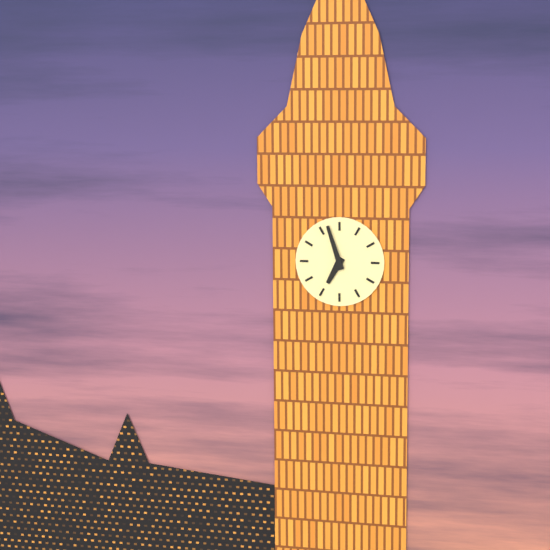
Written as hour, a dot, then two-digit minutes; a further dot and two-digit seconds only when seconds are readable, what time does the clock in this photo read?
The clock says 6.57
